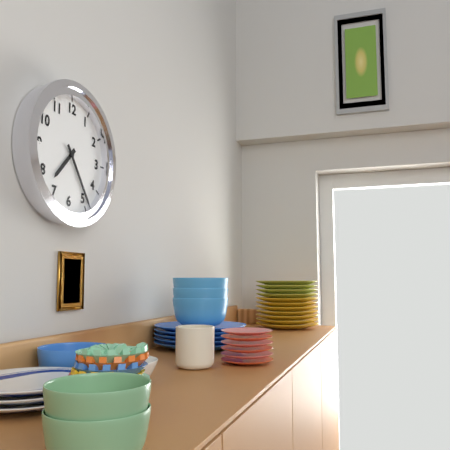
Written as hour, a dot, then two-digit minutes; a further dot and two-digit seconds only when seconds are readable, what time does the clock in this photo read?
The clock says 7.24
